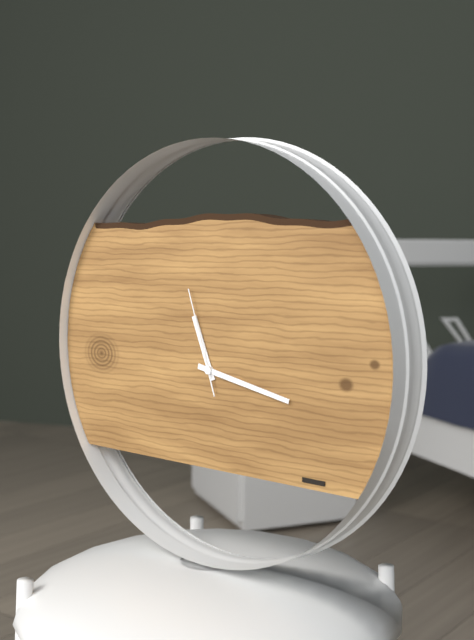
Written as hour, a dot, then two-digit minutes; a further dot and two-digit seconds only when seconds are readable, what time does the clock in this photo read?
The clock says 11.17.57
